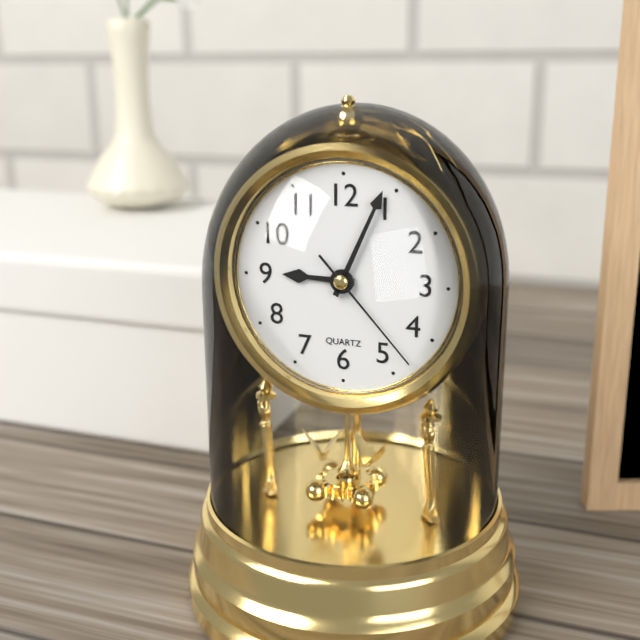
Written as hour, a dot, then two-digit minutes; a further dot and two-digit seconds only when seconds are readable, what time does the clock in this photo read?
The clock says 9.04.23
